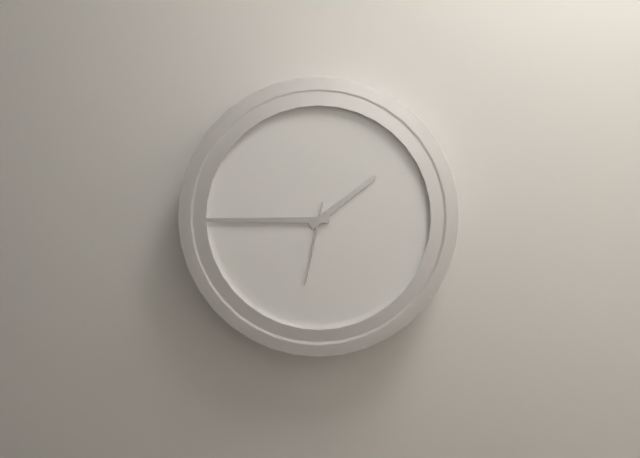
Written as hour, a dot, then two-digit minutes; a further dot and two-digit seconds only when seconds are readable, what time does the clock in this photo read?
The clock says 1.45.32
